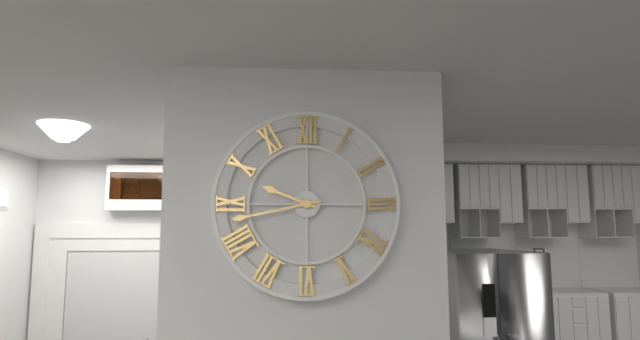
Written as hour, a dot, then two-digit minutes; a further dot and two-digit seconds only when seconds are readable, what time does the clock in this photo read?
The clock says 9.43
